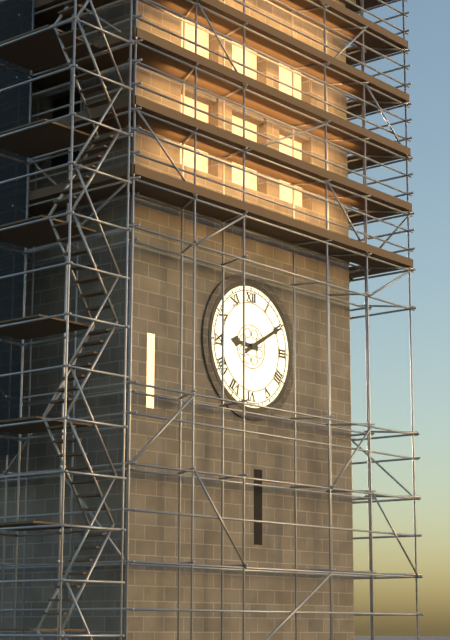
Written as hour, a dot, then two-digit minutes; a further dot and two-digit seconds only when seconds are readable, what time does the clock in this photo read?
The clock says 9.10
